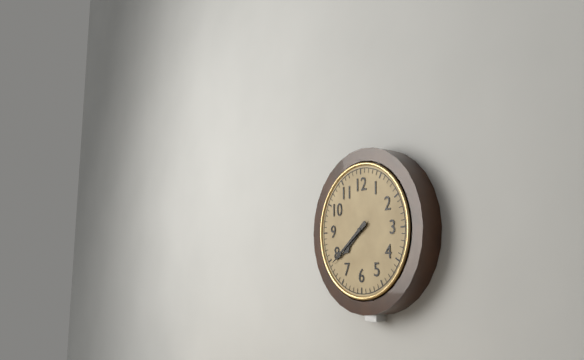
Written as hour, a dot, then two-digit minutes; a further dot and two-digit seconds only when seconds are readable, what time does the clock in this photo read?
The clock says 7.39
